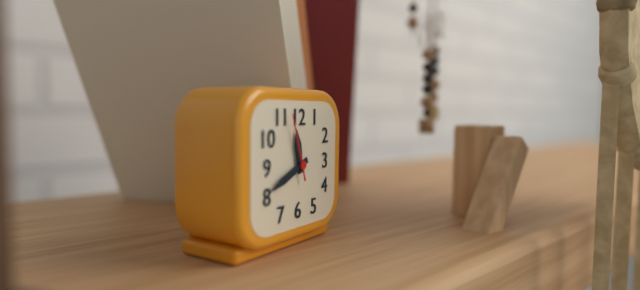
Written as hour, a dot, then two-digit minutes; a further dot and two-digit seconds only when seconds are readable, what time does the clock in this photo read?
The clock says 11.41.57
